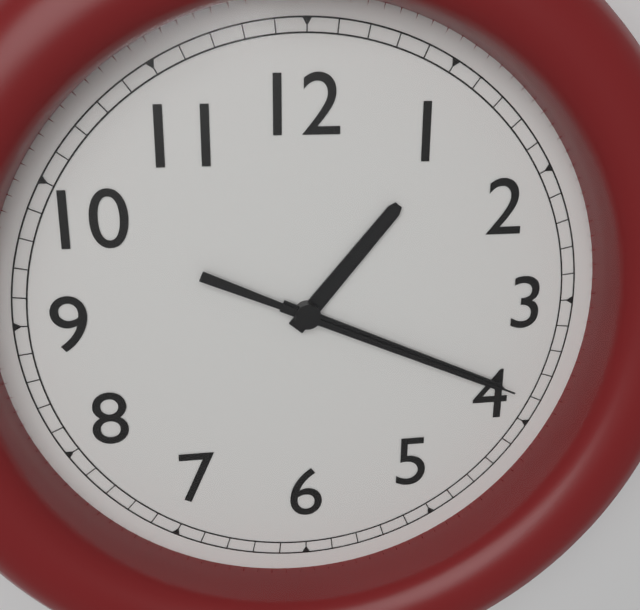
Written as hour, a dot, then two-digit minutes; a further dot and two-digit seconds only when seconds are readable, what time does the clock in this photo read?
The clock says 1.19.19
